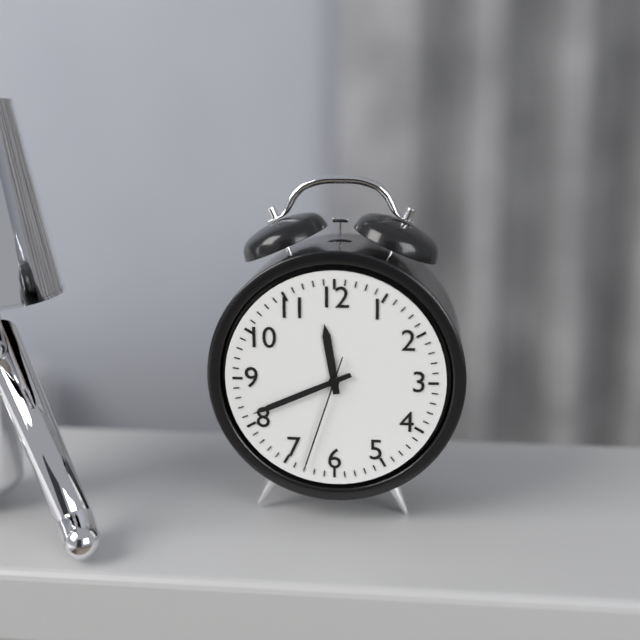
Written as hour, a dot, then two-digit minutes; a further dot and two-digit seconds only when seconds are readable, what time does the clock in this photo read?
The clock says 11.41.33
